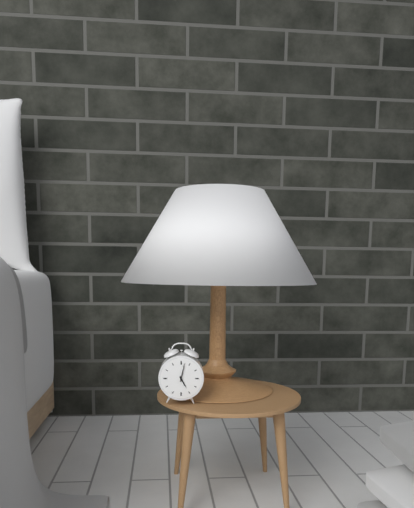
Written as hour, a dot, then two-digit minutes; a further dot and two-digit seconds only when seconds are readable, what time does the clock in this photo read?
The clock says 5.02
